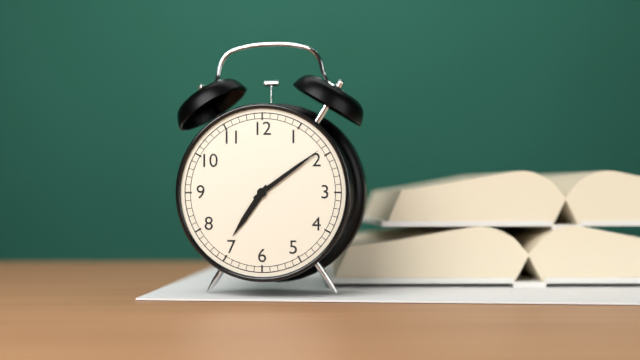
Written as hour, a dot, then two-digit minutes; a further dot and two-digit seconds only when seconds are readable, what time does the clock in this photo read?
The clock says 7.09
